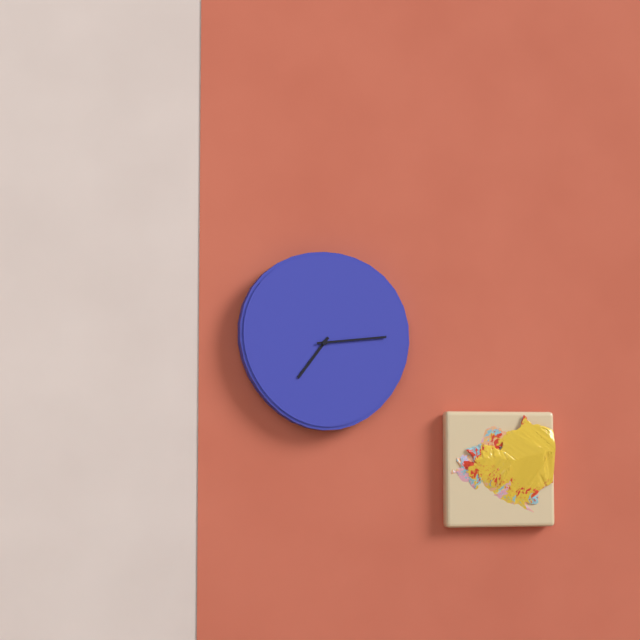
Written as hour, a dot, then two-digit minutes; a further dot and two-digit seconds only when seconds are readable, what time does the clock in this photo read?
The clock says 7.14
